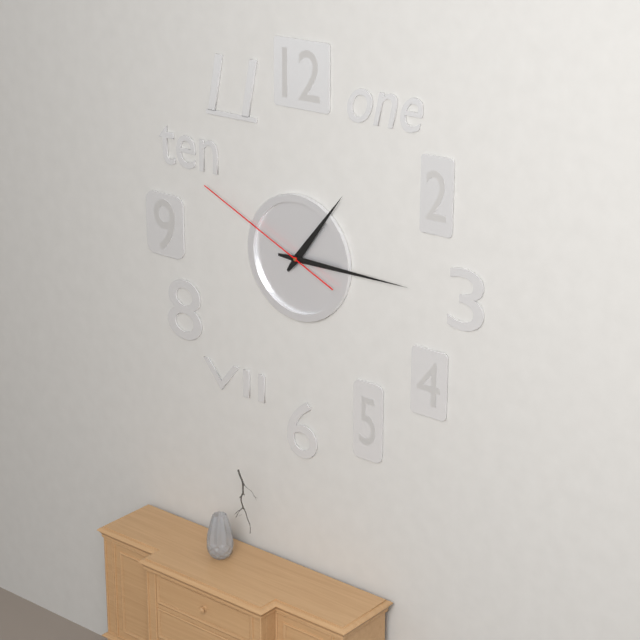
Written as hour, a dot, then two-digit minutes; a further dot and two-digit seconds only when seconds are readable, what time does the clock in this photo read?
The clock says 1.15.49
